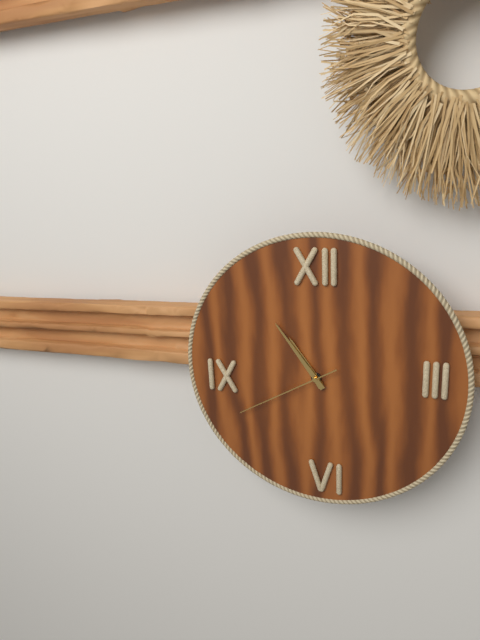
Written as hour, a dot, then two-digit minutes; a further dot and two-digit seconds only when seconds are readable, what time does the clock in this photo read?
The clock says 10.54.40
